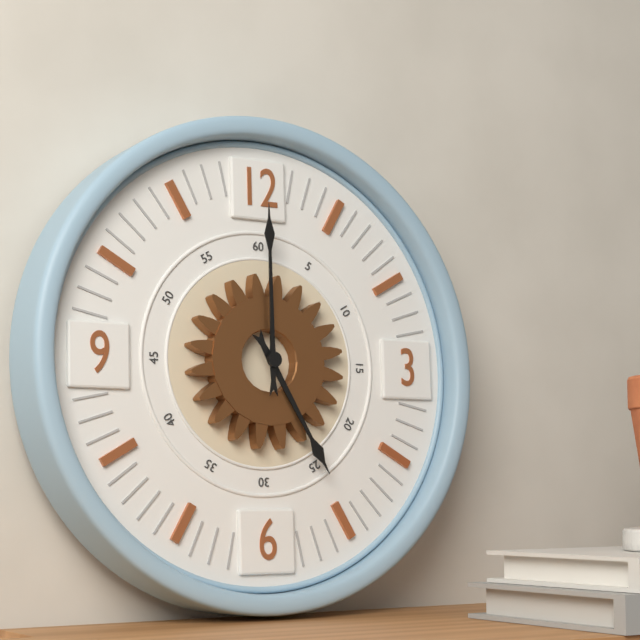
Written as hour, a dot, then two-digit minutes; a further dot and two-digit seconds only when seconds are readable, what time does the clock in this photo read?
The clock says 5.00
